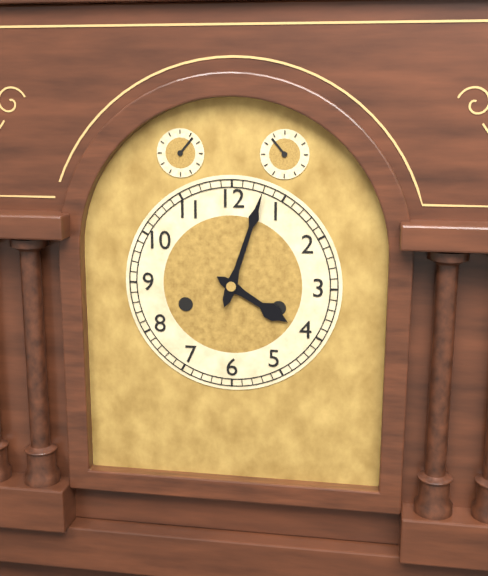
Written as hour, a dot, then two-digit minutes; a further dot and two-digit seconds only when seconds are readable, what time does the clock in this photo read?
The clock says 4.03
